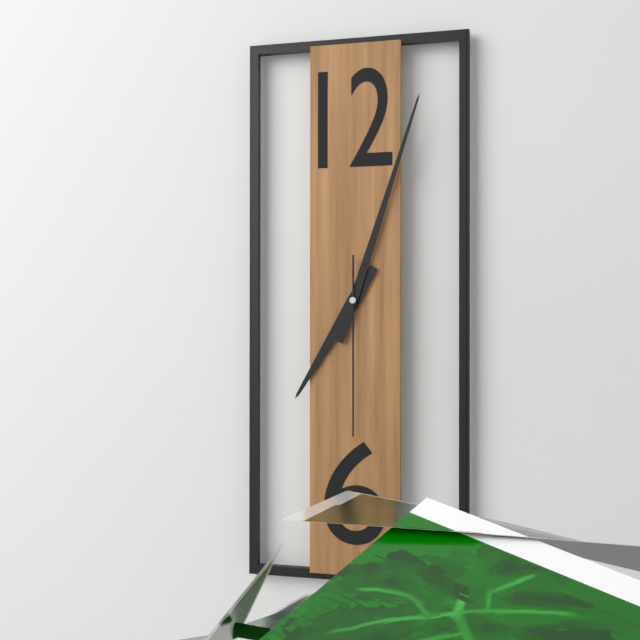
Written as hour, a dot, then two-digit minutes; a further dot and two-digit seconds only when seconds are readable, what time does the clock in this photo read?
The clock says 7.03.30
